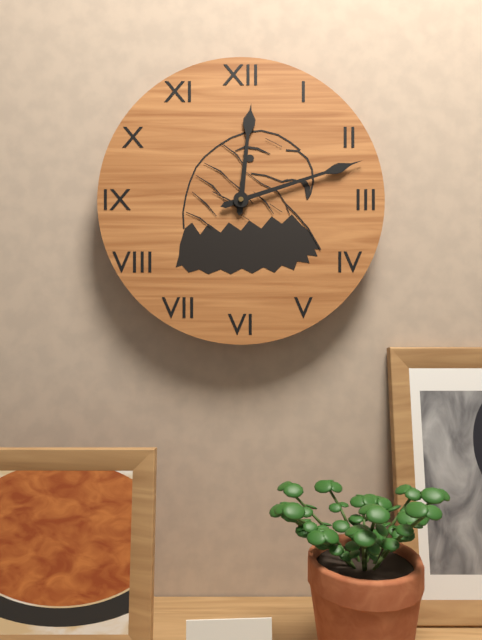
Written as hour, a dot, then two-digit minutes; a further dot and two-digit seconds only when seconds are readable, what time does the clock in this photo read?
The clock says 12.12
